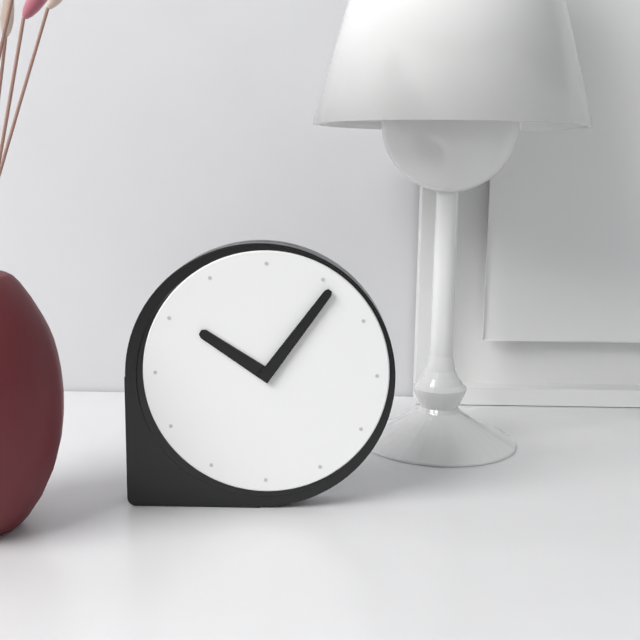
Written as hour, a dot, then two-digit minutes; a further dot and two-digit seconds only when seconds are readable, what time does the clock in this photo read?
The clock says 10.06
